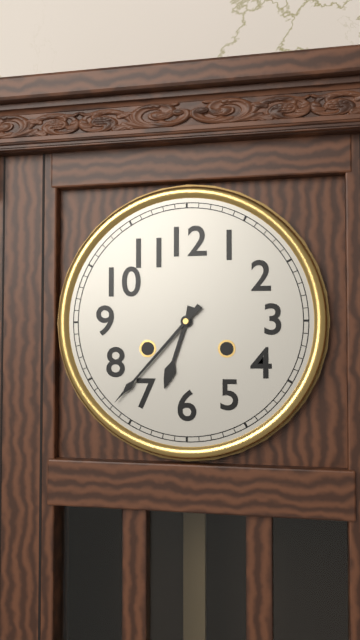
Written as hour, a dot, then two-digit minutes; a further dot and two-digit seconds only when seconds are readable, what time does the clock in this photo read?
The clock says 6.37
